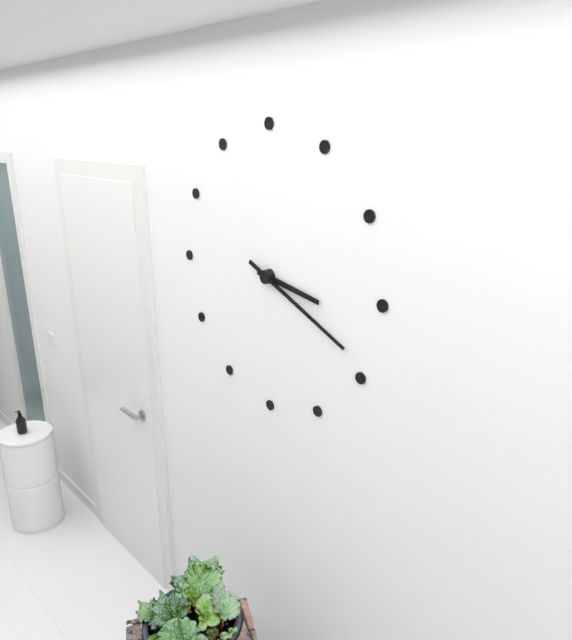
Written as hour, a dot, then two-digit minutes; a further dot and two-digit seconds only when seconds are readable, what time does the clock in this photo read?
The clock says 3.19
